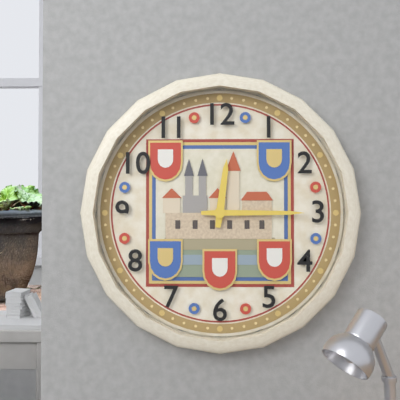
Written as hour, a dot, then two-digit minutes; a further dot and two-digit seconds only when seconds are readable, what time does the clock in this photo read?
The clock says 12.15
